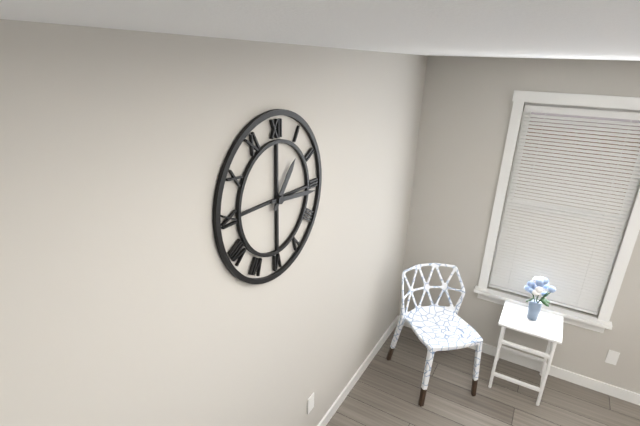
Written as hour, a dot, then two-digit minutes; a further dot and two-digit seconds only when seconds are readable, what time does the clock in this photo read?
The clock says 1.16
